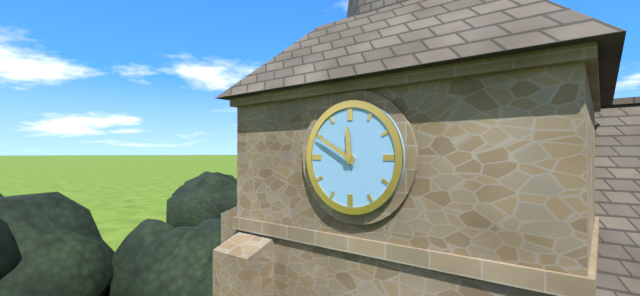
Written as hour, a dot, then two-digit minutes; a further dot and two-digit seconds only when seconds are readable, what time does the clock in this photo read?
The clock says 11.50
